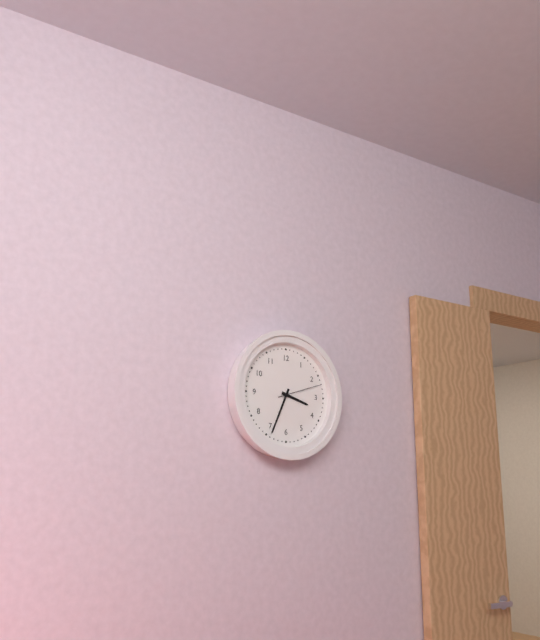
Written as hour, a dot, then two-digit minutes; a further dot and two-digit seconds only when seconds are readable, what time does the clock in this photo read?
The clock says 3.34
